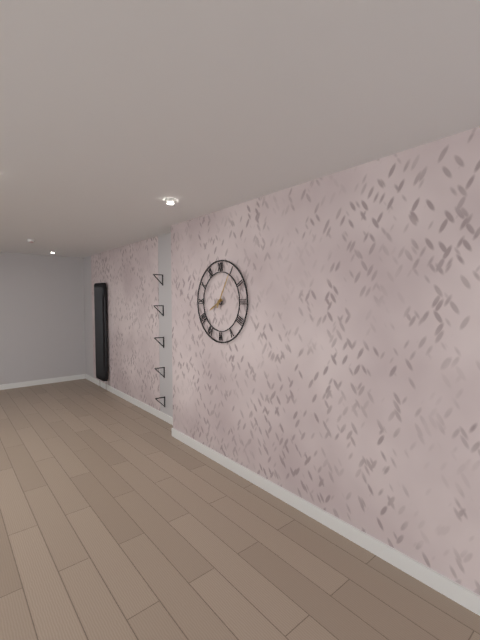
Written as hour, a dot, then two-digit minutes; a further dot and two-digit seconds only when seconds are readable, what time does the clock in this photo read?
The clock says 8.05
